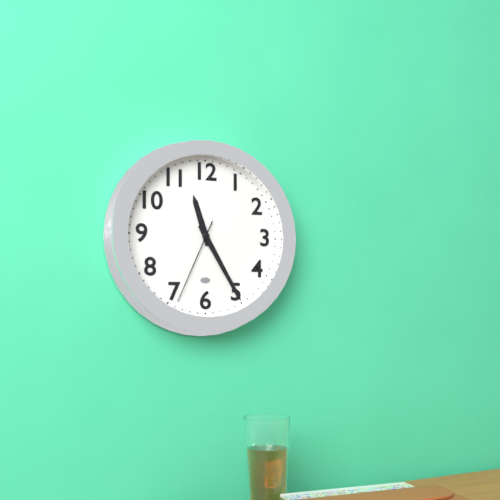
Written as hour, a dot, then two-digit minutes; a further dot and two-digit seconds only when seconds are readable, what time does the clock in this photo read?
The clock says 11.25.34
